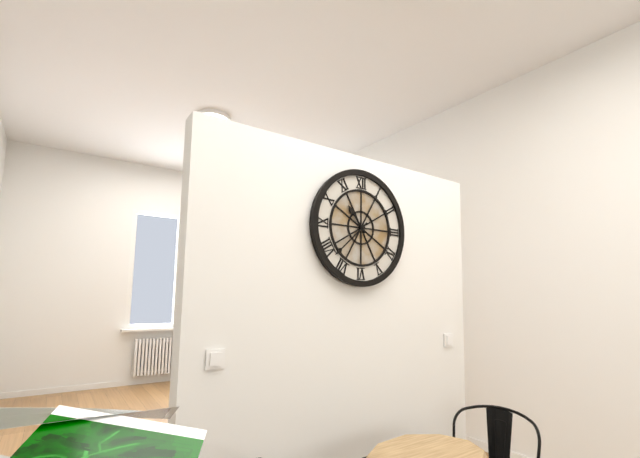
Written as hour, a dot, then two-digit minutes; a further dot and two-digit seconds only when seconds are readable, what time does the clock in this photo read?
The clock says 10.38
